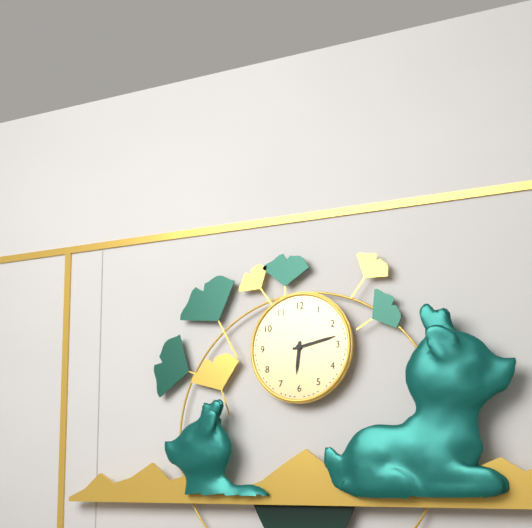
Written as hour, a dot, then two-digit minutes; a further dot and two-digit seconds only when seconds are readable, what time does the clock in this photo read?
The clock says 6.13
